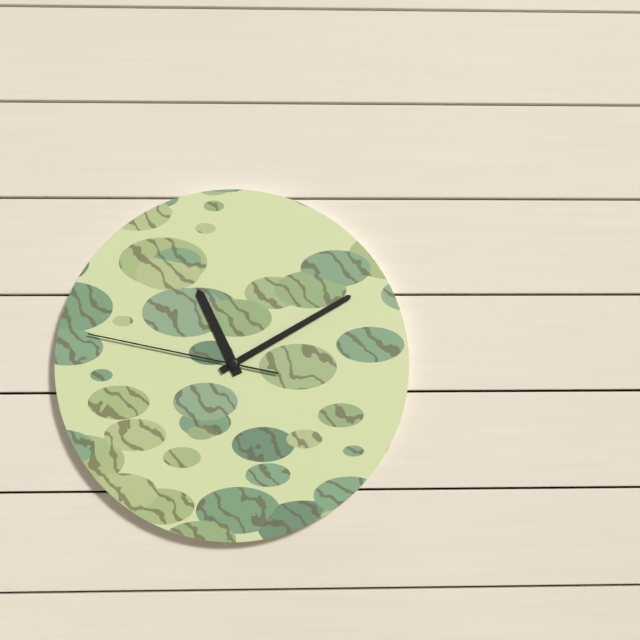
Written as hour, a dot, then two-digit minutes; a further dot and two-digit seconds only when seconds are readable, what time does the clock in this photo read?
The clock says 11.10.47
